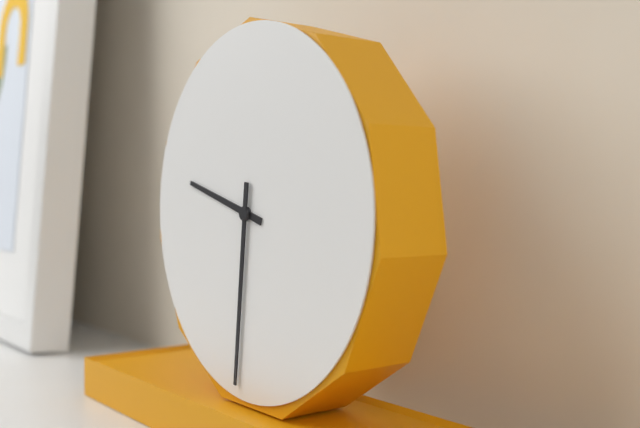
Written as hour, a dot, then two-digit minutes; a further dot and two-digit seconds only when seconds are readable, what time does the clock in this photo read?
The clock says 9.31
